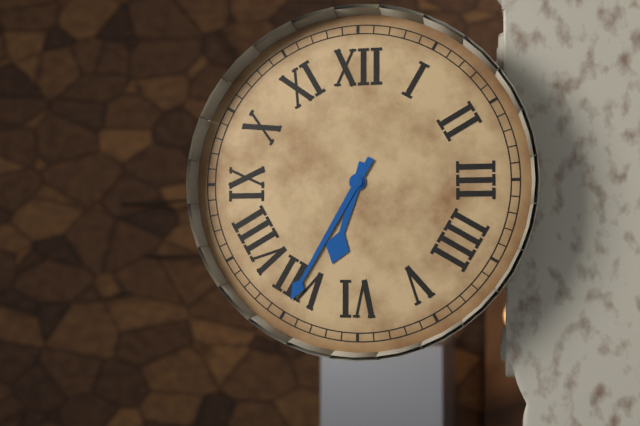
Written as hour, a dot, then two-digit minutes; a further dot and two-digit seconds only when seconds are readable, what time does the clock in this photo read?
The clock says 6.35
